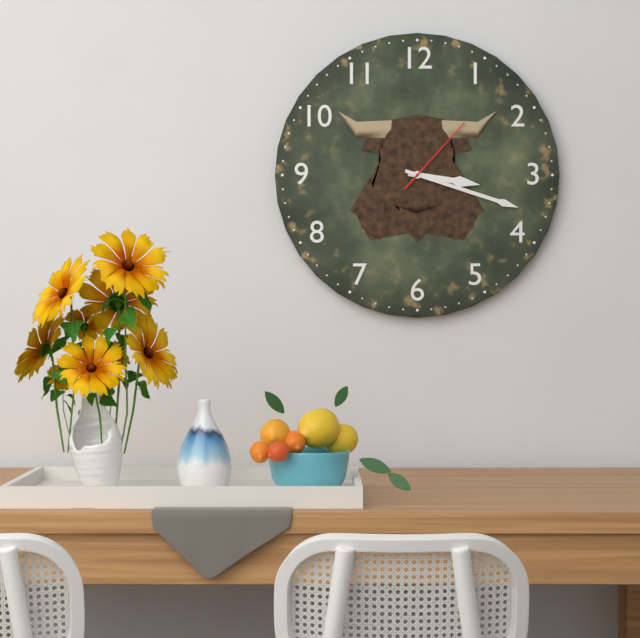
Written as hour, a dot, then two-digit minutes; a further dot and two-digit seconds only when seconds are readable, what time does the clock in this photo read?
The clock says 3.18.07
